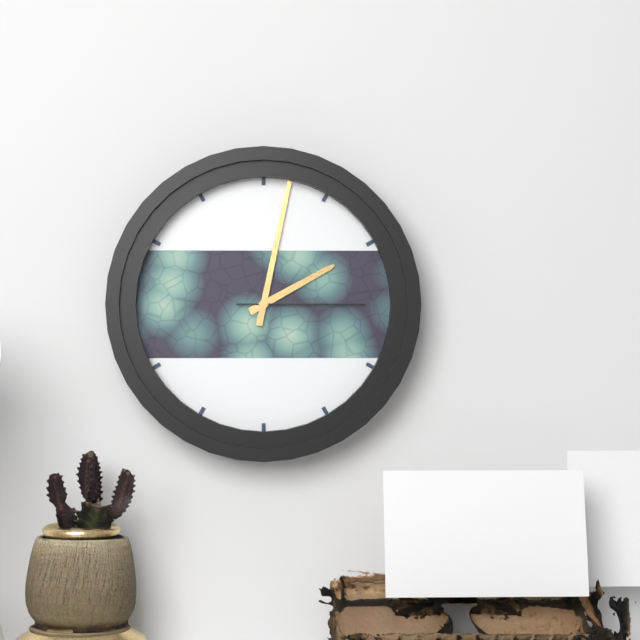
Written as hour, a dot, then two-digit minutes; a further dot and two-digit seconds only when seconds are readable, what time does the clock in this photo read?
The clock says 2.02.15
